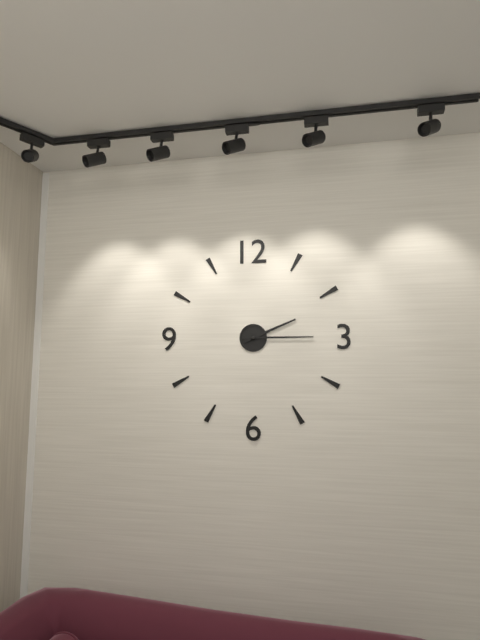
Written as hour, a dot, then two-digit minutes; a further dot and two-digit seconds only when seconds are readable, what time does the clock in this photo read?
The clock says 2.15
